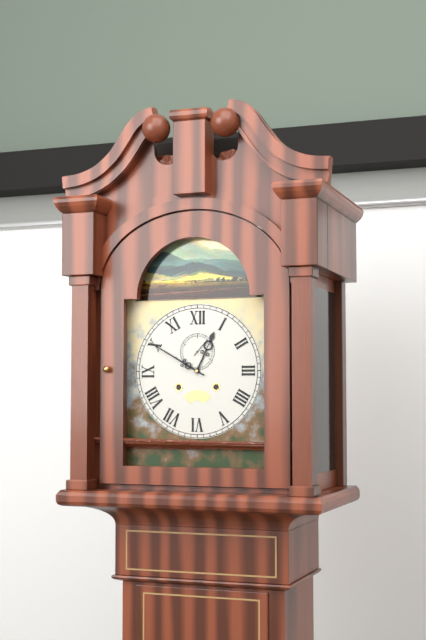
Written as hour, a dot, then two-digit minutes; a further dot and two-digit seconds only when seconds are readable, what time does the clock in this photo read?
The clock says 12.50
